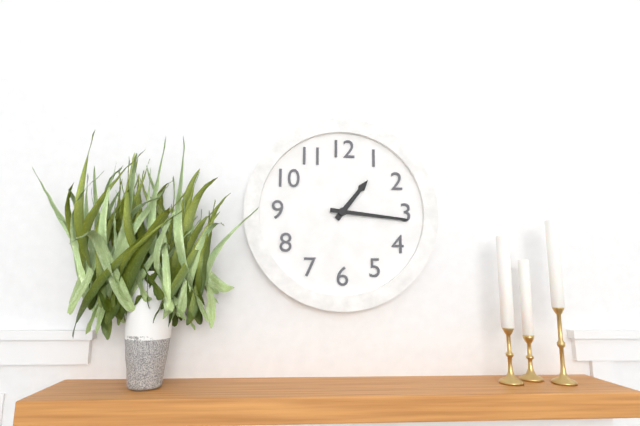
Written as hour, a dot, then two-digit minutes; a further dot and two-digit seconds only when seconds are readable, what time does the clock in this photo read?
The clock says 1.16
